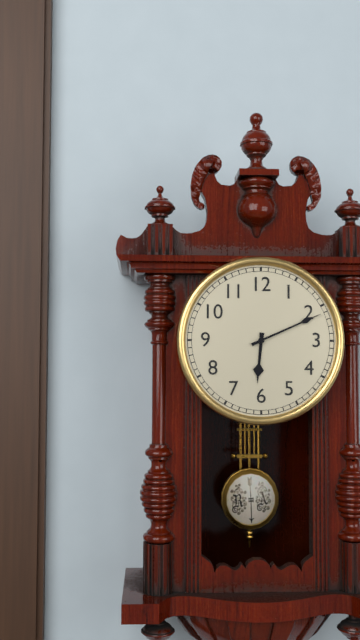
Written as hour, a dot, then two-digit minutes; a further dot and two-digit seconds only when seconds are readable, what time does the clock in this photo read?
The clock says 6.11
